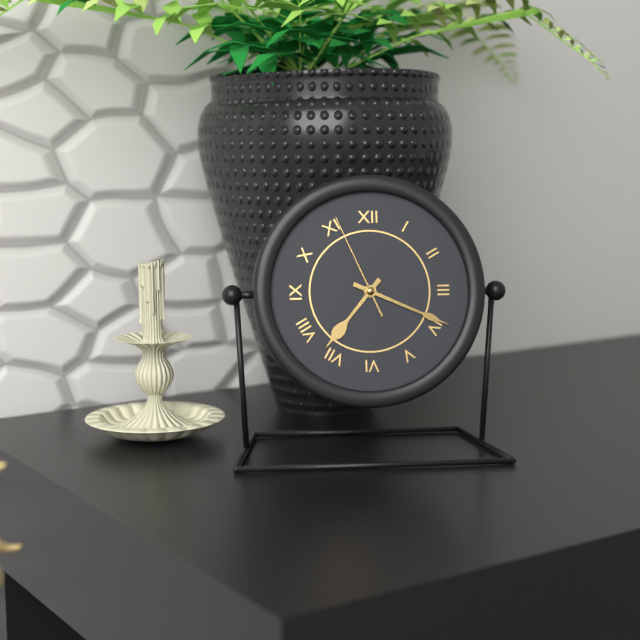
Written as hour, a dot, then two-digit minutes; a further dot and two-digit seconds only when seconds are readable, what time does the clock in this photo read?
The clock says 7.19.56
